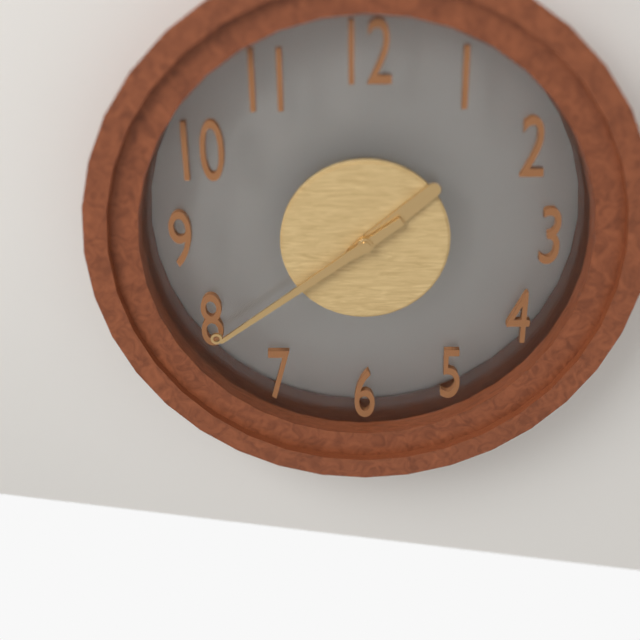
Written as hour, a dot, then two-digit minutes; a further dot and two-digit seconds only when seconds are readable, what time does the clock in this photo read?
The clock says 1.39
